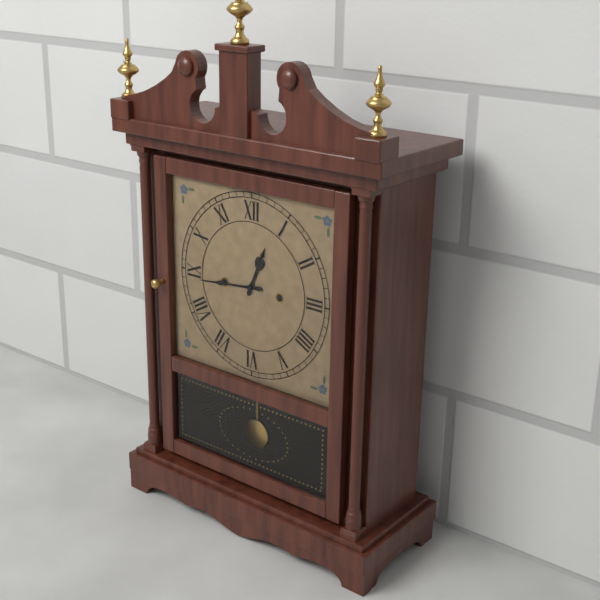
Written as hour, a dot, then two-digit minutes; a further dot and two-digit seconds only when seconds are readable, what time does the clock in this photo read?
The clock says 12.44
